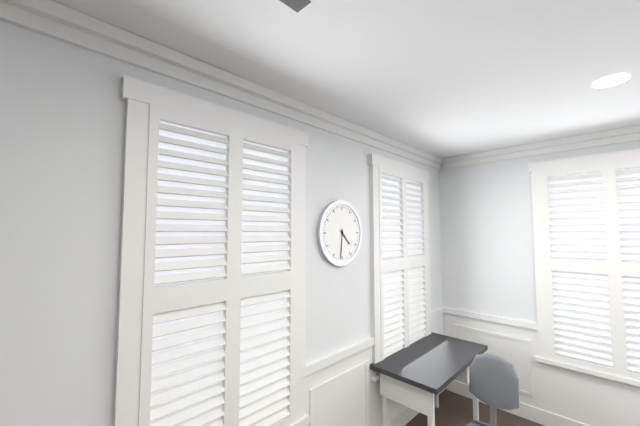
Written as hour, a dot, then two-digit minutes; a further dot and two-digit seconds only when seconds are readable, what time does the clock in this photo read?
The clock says 4.31
